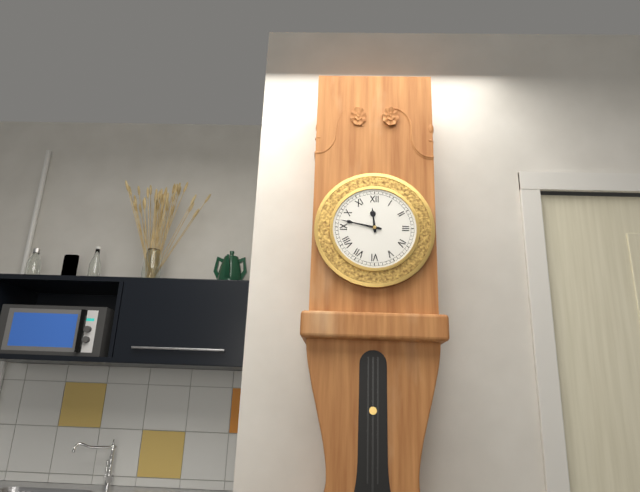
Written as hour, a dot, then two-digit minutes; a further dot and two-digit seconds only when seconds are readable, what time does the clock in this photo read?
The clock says 11.47
